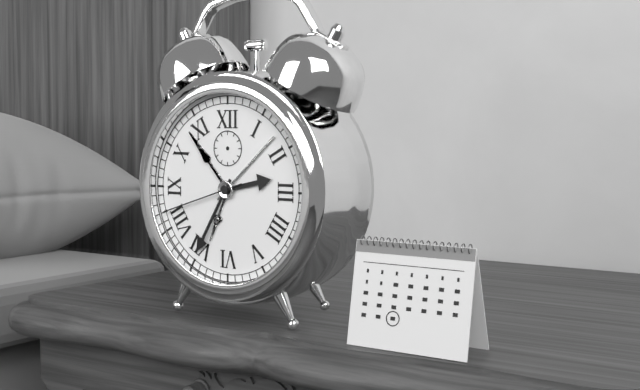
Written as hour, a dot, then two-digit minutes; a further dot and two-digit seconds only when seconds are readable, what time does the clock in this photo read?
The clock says 2.35.42
